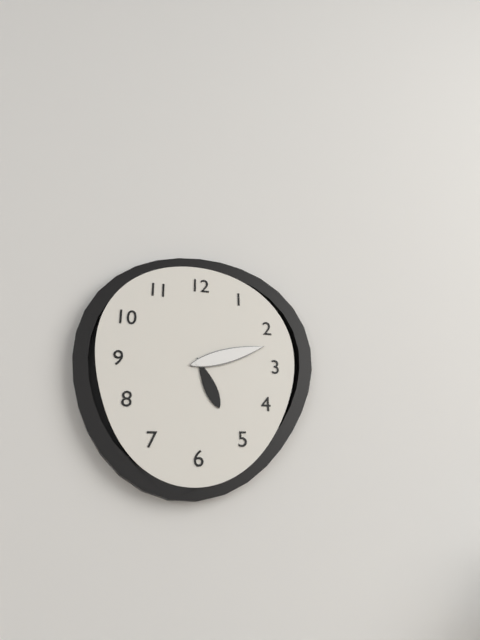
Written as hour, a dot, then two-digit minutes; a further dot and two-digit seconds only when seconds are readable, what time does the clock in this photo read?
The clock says 5.12
